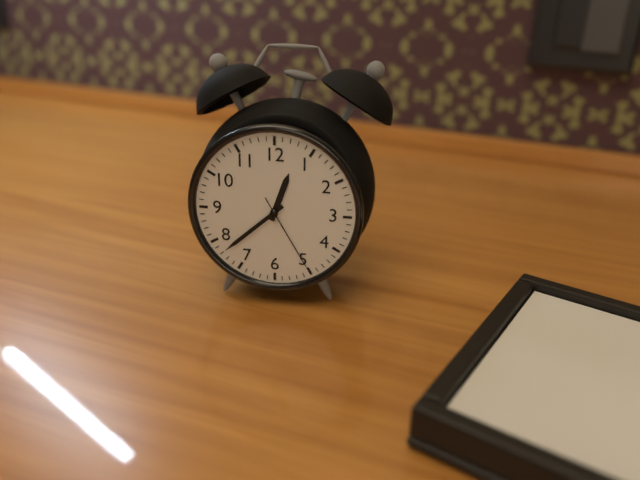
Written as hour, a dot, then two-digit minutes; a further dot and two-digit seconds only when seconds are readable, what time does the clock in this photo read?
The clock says 12.38.25
